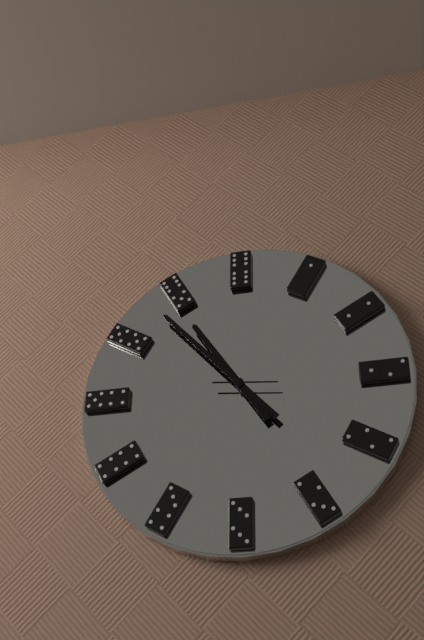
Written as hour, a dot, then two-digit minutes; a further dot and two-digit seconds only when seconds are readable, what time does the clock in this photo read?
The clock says 10.53
